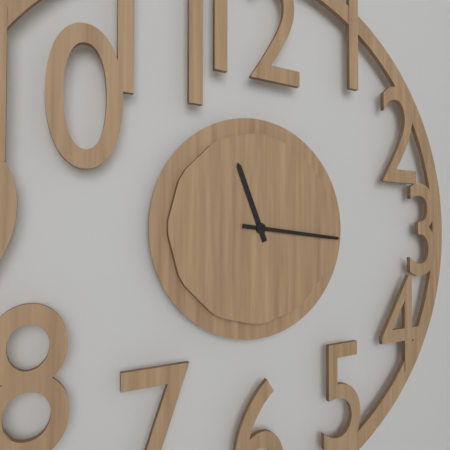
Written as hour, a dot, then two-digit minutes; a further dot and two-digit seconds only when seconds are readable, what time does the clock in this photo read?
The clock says 11.16
